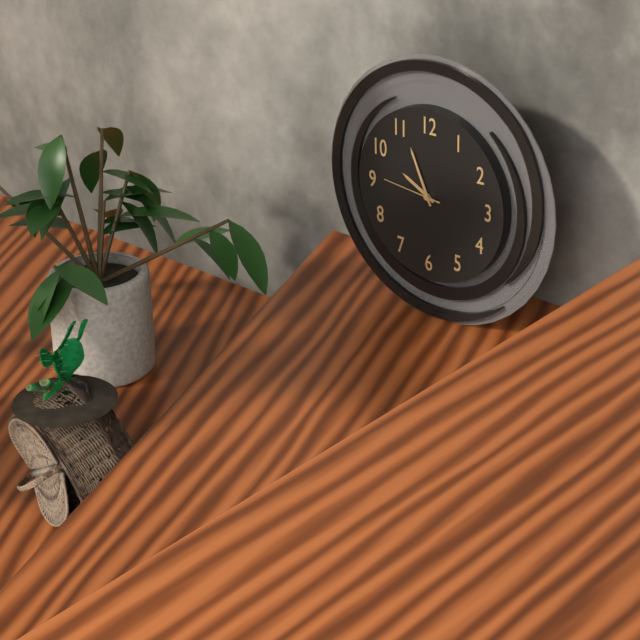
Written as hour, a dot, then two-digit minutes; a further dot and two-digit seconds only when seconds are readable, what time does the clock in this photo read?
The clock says 9.56.46
